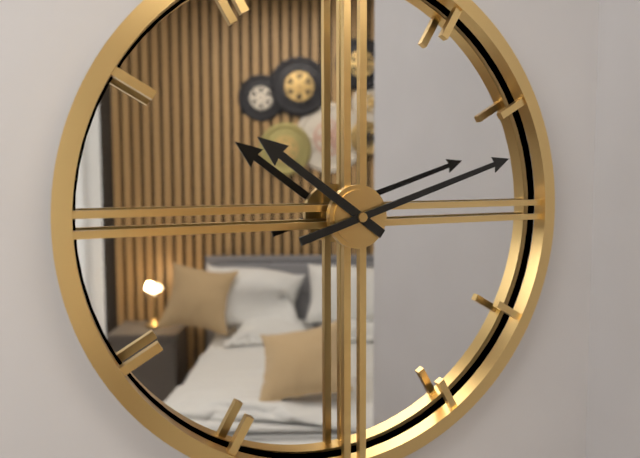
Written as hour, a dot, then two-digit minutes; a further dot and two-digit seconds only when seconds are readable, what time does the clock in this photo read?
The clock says 10.12
